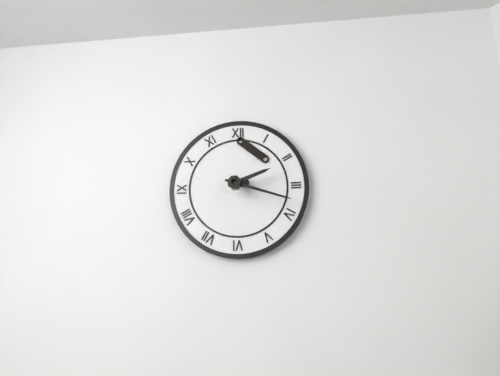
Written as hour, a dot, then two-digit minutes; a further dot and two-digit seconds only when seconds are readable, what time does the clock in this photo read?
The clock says 2.18
